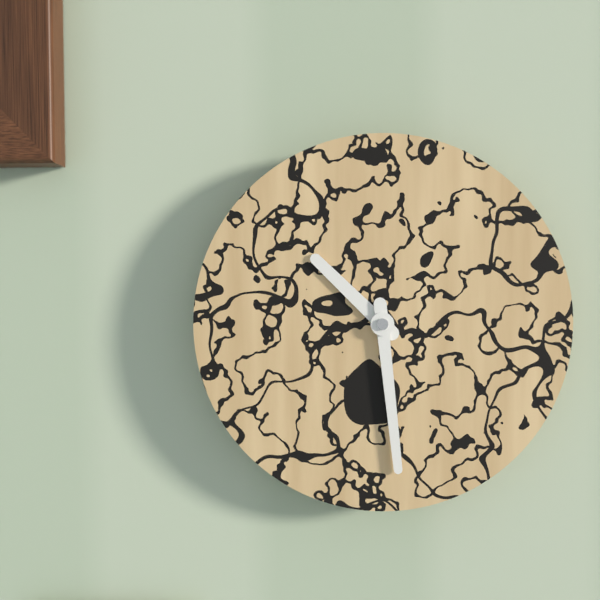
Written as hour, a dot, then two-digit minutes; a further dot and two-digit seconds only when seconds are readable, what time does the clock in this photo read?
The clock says 10.29
